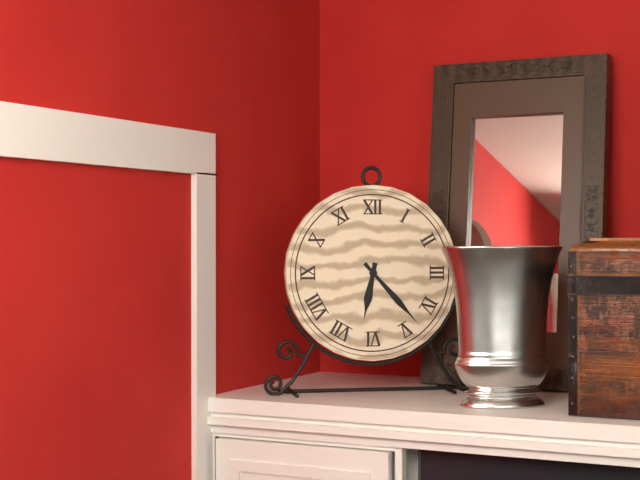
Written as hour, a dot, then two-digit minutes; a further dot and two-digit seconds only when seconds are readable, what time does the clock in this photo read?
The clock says 6.23
